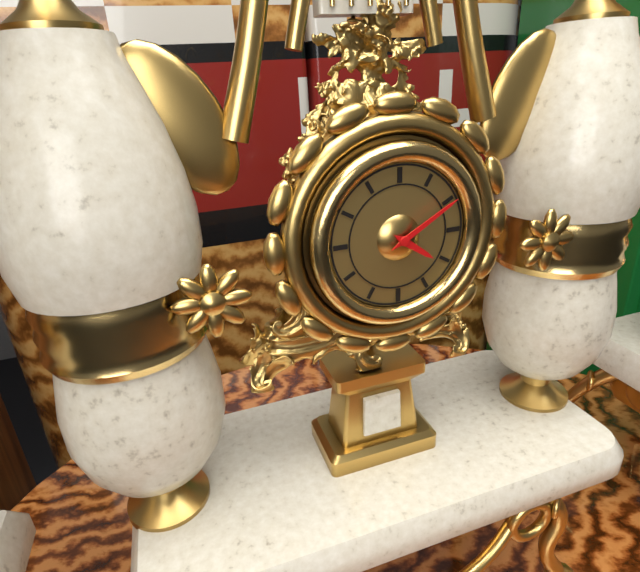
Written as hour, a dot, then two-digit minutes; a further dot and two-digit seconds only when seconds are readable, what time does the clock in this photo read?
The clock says 4.10
